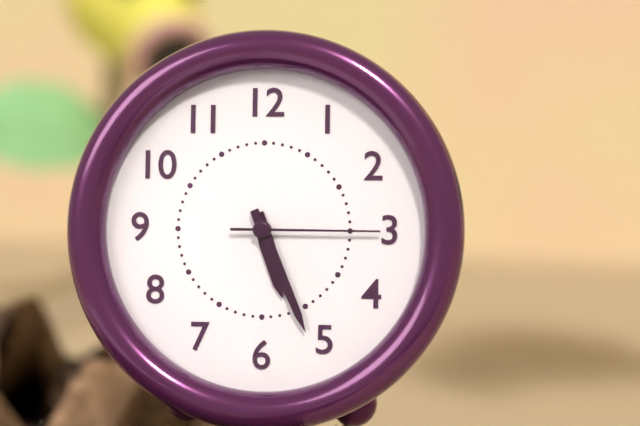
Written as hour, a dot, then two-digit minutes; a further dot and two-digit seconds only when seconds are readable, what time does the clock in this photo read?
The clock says 5.26.15
